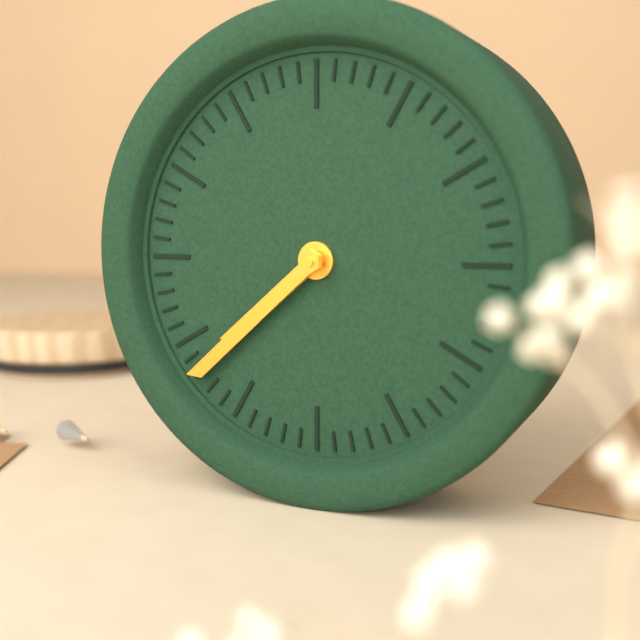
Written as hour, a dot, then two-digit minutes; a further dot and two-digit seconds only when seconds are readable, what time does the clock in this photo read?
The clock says 7.38
